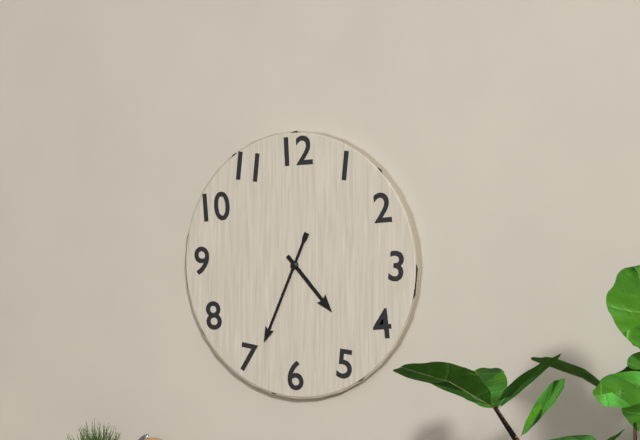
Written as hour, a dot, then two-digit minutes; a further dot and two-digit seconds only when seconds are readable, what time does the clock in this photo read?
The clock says 4.34
